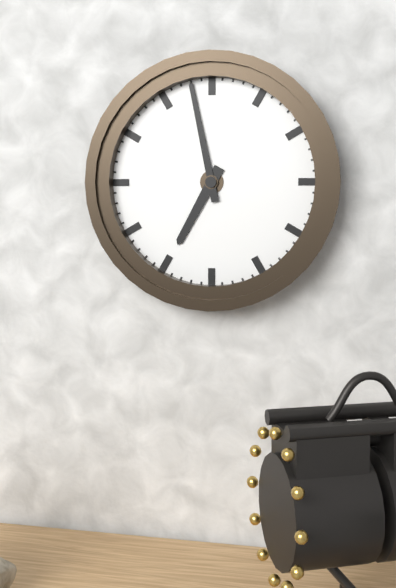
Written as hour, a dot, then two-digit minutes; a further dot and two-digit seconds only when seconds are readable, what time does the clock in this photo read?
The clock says 6.58
